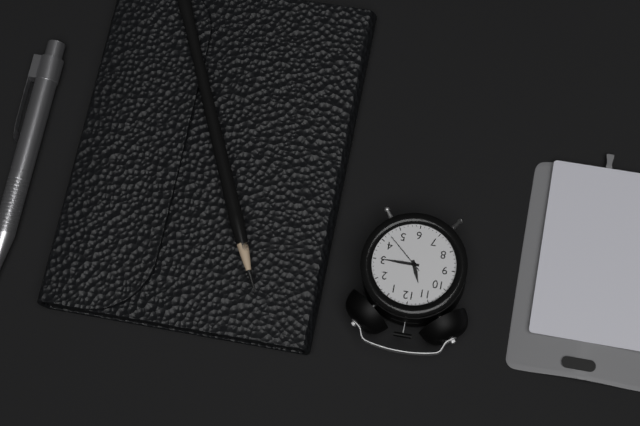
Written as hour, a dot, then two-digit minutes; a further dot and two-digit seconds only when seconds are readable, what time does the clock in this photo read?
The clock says 11.15
